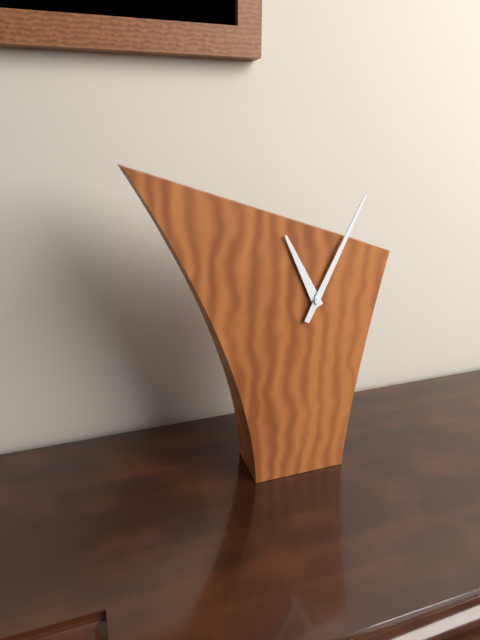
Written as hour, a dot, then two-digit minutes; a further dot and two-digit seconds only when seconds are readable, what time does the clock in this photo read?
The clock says 11.04
